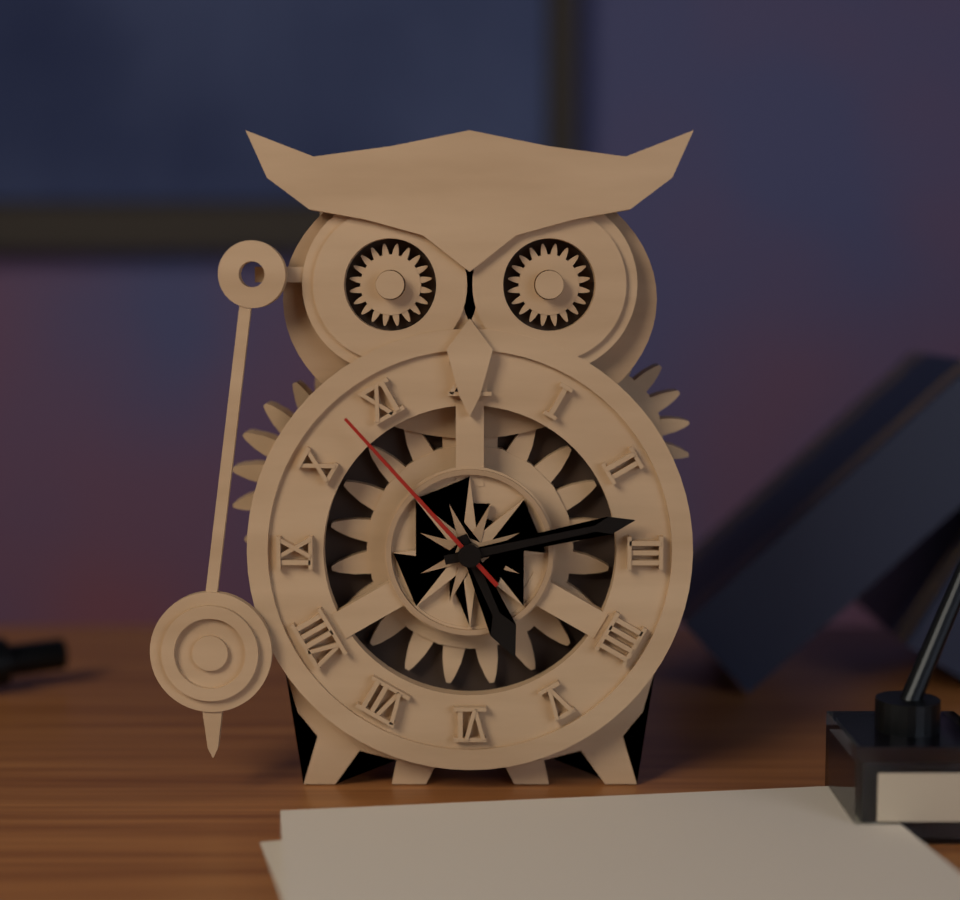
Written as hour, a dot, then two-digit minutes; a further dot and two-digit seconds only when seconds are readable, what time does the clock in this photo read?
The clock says 5.13.53
